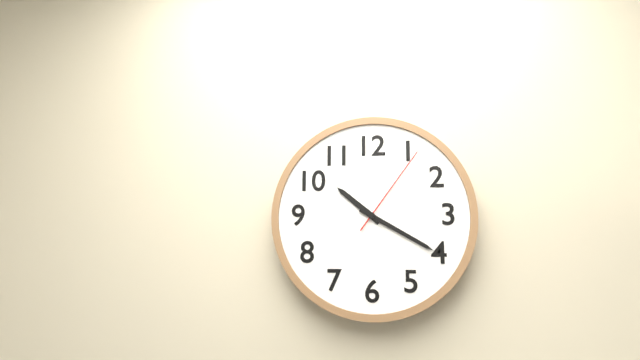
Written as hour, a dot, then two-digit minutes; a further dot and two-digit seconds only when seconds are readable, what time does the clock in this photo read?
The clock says 10.20.06
